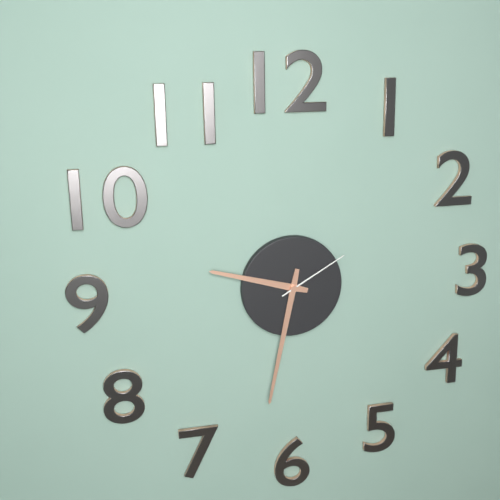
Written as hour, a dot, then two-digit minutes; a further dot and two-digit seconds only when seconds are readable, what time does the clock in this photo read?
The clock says 9.32.10
